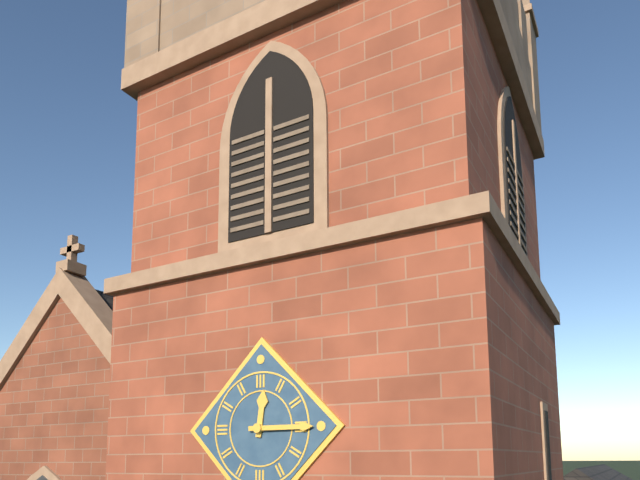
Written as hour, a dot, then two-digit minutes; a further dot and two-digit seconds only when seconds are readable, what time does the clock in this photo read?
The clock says 12.15
